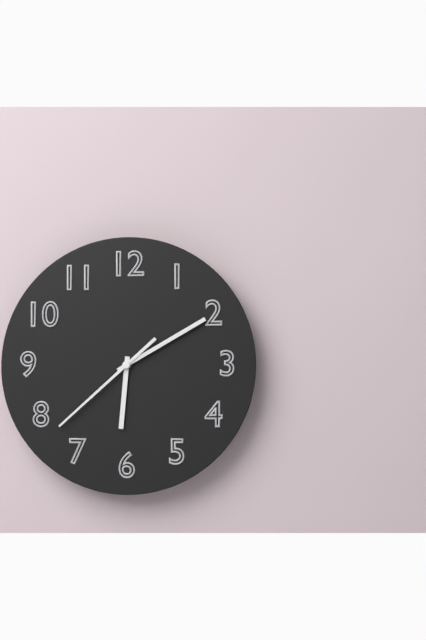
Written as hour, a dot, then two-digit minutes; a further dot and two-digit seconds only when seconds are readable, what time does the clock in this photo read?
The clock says 6.10.38
